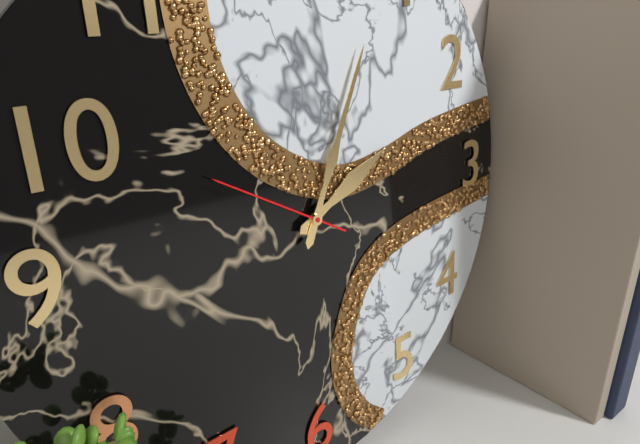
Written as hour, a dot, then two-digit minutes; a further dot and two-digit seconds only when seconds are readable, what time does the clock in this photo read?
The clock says 2.04.50
